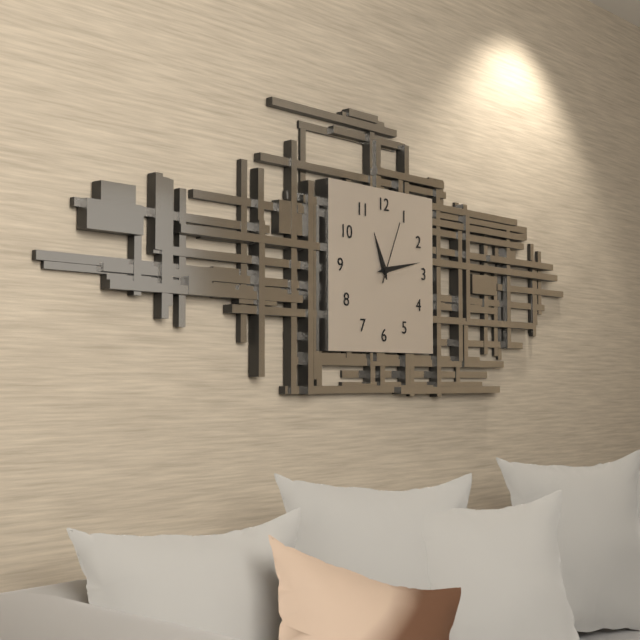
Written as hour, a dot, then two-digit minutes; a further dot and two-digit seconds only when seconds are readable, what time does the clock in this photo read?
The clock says 11.13.04
